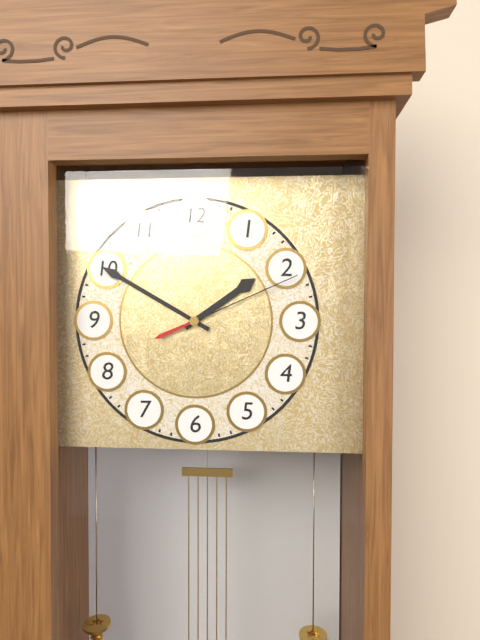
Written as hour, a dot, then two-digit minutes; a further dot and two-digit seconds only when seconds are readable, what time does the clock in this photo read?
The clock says 1.50.11
